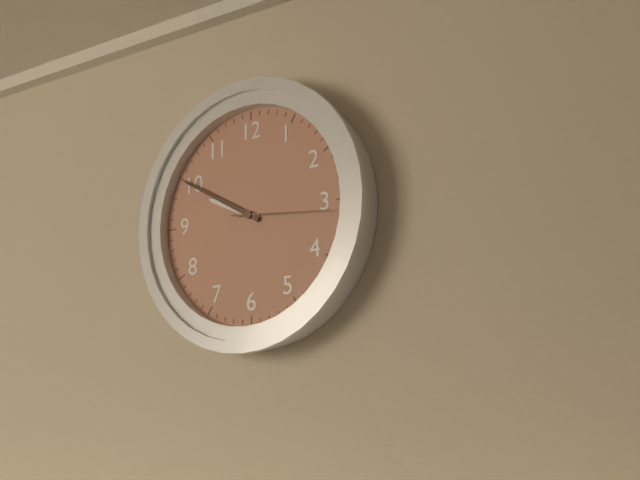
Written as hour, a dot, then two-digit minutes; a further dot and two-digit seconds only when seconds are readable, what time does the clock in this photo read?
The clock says 9.50.16
